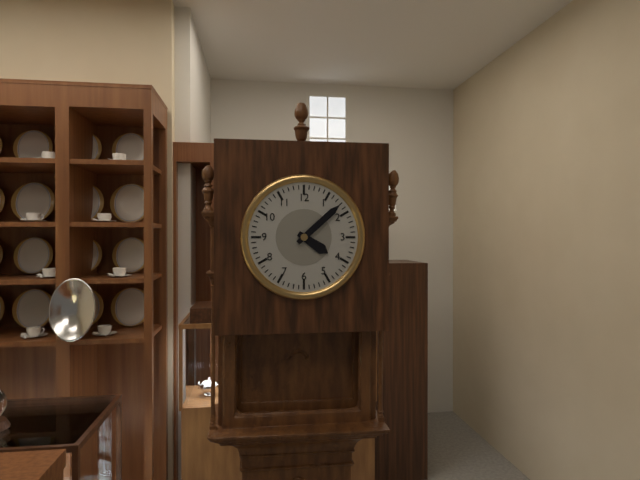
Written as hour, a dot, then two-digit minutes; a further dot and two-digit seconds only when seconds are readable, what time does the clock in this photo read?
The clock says 4.08
